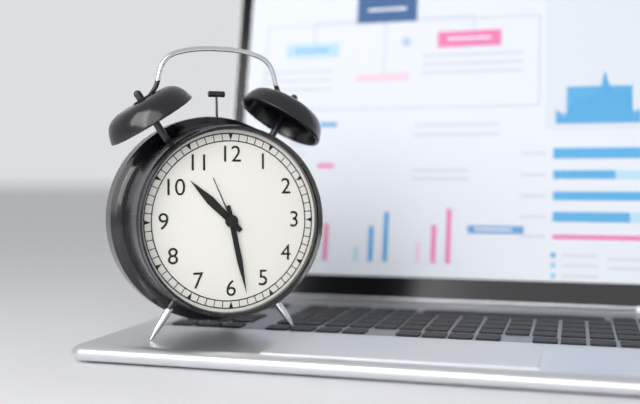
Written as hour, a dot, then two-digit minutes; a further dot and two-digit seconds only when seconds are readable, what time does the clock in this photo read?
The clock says 10.28.56
